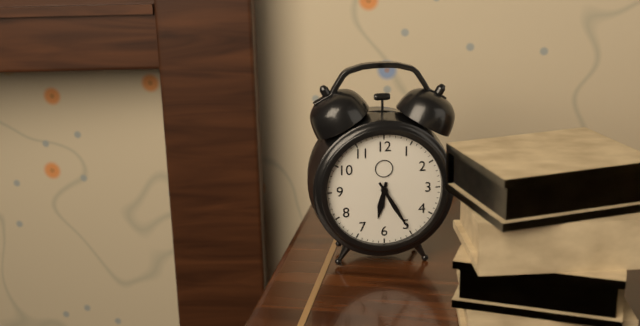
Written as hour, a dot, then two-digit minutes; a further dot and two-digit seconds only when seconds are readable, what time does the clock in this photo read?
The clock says 6.25
